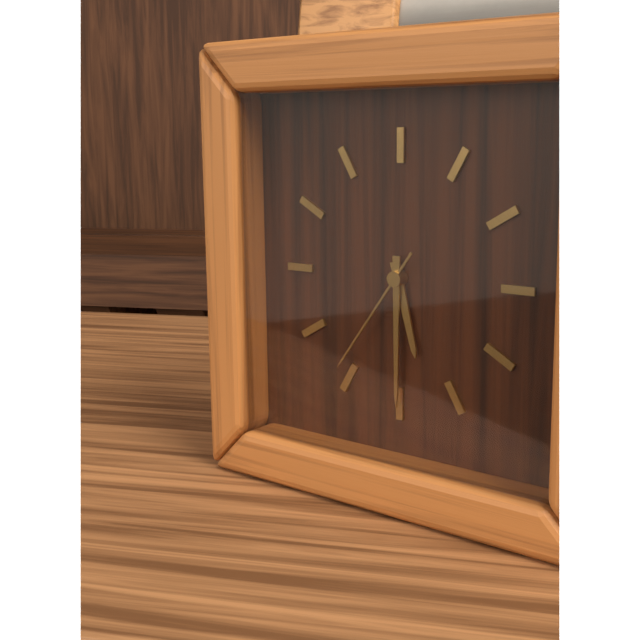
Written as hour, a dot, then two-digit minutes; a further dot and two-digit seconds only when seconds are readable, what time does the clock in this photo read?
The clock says 5.30.36
